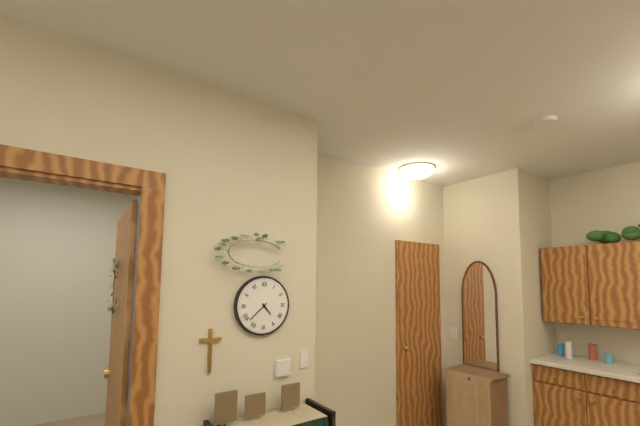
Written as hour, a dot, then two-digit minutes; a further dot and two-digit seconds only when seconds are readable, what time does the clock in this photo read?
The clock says 4.38
